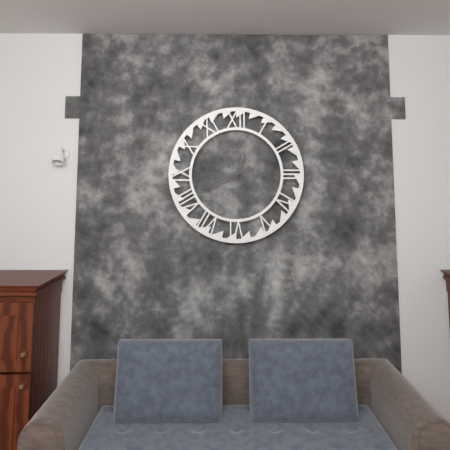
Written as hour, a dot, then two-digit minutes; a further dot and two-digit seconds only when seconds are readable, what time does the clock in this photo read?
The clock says 12.41
